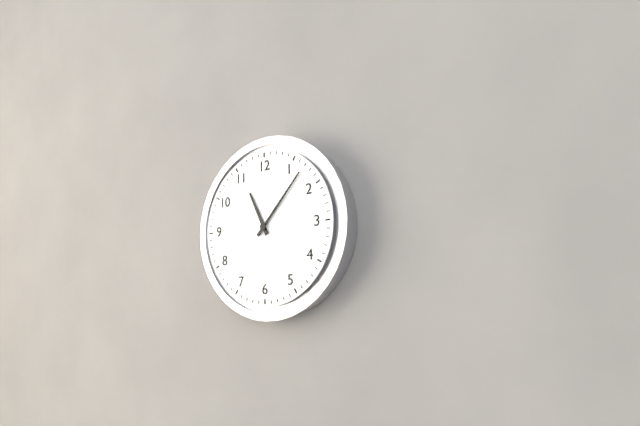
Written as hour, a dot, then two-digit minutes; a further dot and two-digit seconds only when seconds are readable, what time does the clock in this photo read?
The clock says 11.07
